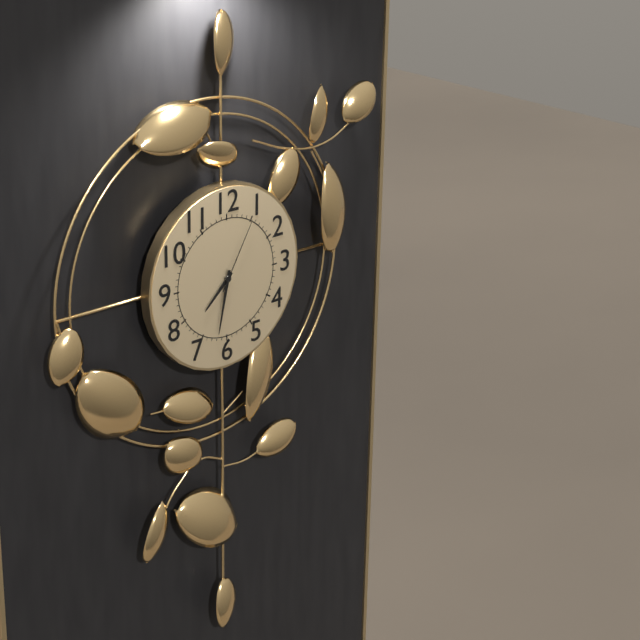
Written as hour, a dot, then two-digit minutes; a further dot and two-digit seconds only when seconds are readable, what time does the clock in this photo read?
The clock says 7.32.05
